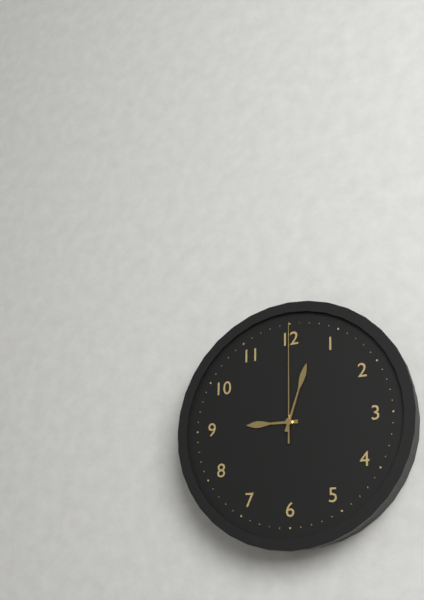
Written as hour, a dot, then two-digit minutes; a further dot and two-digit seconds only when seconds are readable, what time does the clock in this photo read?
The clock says 9.03.00
